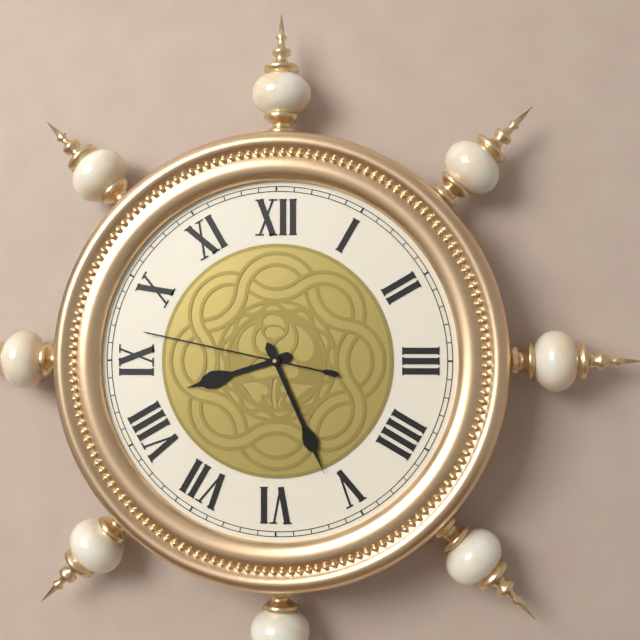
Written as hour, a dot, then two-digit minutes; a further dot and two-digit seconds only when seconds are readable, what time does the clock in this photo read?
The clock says 8.26.47
